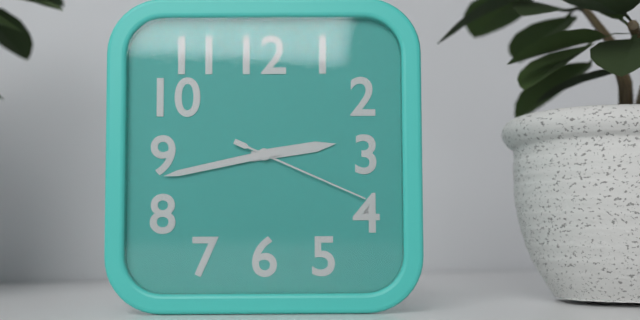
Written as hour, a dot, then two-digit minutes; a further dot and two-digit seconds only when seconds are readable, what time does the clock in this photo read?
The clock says 2.43.19
